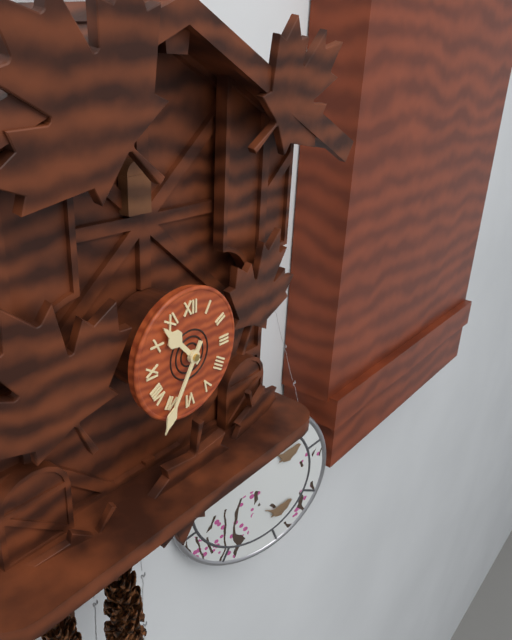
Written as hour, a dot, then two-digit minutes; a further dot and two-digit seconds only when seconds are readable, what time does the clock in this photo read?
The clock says 10.35
